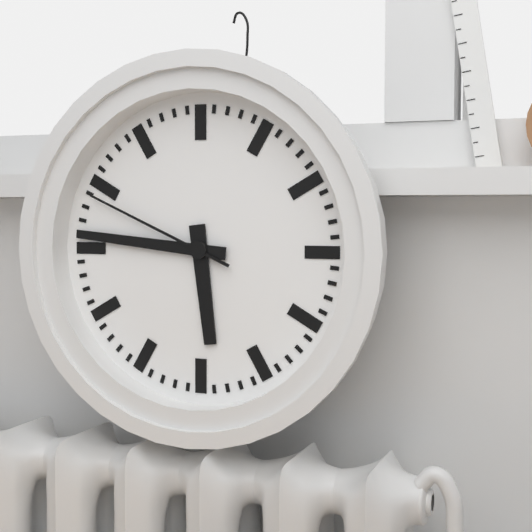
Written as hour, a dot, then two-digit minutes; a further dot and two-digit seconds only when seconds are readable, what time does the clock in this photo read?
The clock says 5.46.49
